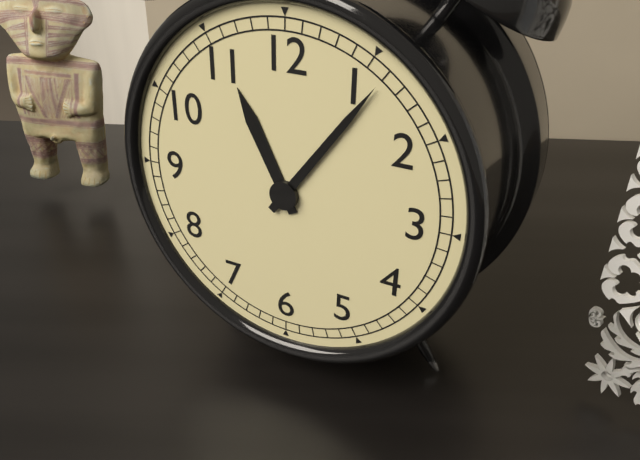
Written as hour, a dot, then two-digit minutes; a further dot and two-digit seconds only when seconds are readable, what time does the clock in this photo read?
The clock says 11.06
